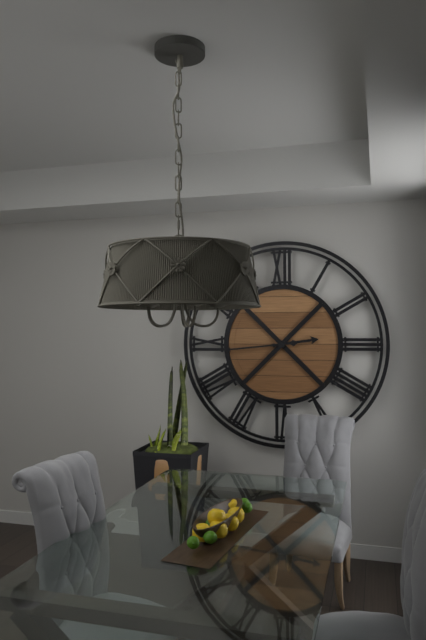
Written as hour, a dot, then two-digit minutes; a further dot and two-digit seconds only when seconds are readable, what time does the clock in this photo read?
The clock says 2.44
